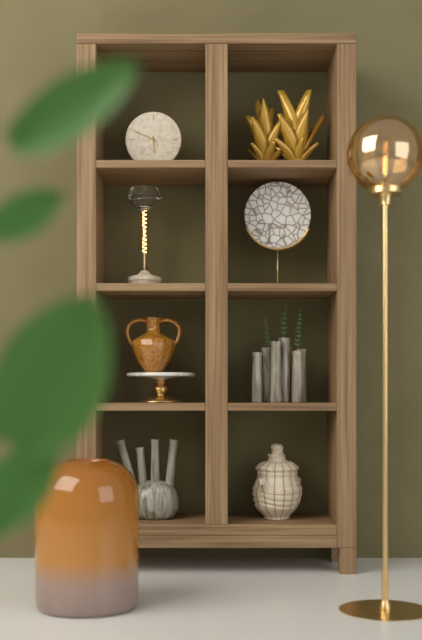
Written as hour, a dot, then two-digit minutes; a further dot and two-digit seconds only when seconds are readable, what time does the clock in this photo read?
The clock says 5.49
